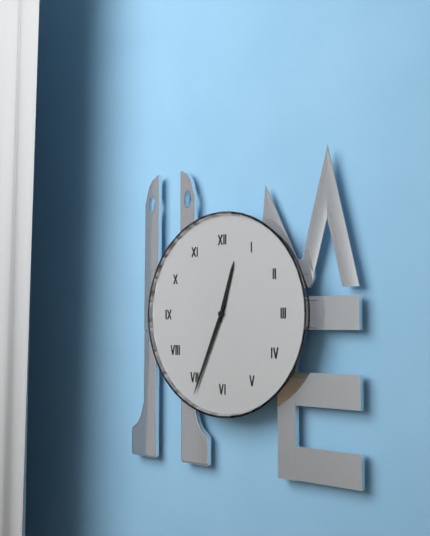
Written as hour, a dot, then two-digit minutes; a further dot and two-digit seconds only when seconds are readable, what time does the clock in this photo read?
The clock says 12.34
